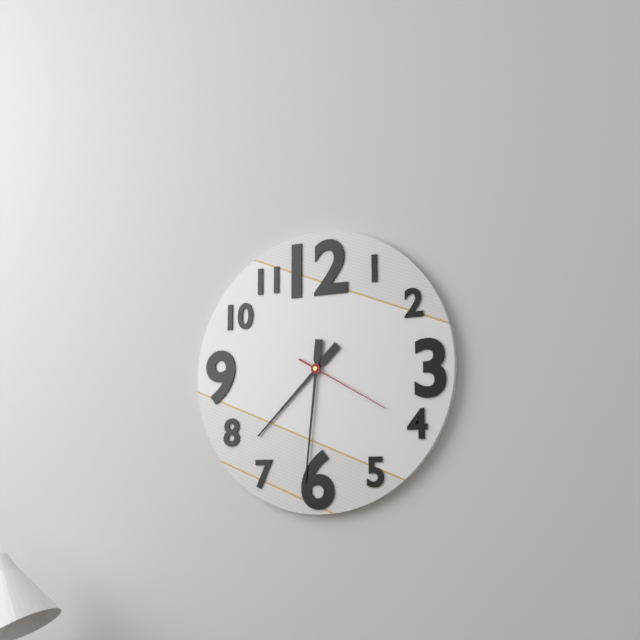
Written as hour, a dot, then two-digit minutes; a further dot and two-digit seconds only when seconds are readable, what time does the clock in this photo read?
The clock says 7.31.20
